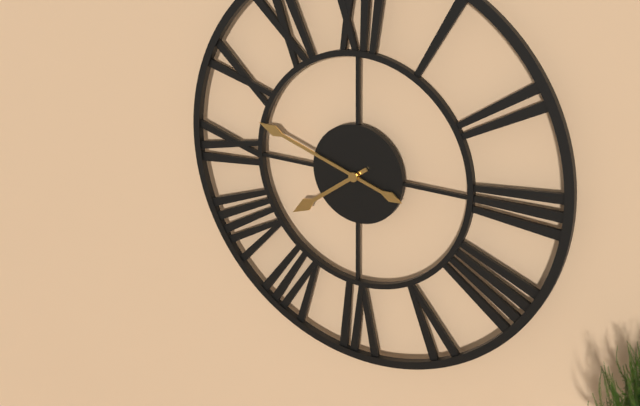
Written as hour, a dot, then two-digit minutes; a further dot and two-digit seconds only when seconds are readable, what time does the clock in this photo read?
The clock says 7.48
